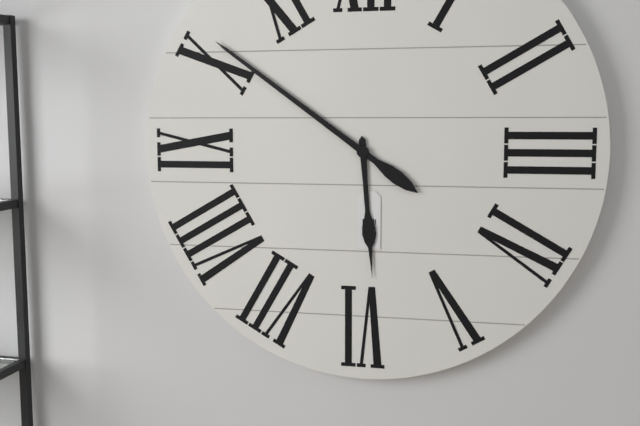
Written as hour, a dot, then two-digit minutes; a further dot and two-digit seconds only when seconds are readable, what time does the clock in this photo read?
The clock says 5.51
